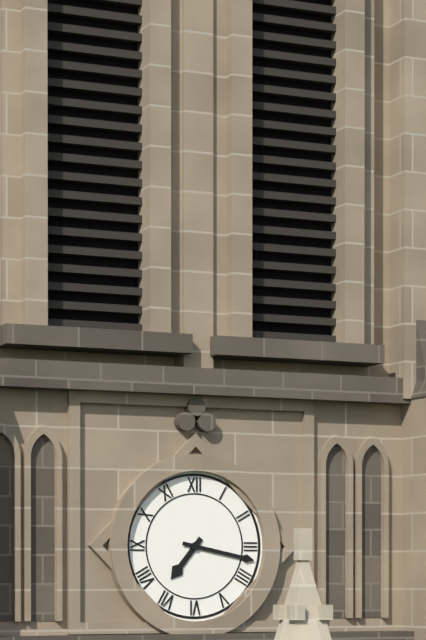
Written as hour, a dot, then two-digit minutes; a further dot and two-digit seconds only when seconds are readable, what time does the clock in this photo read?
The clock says 7.17
